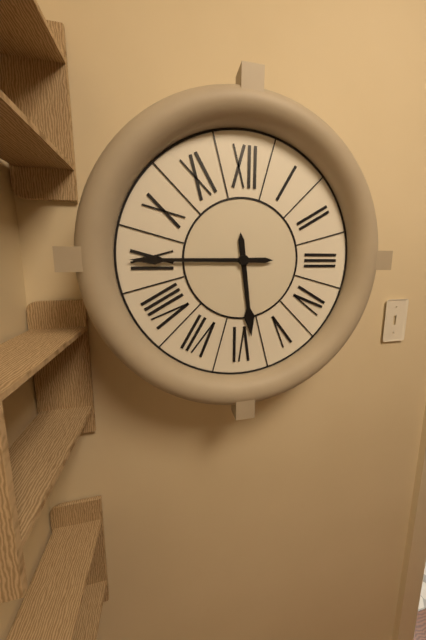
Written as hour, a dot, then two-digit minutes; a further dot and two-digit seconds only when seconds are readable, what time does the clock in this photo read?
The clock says 5.45
